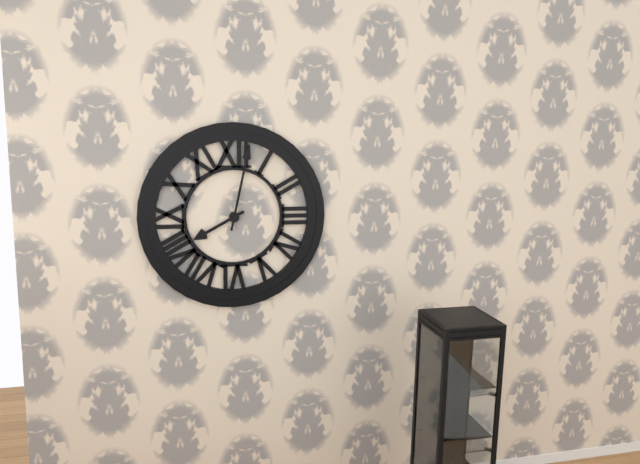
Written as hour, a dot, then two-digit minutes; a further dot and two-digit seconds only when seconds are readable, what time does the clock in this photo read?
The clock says 8.02
